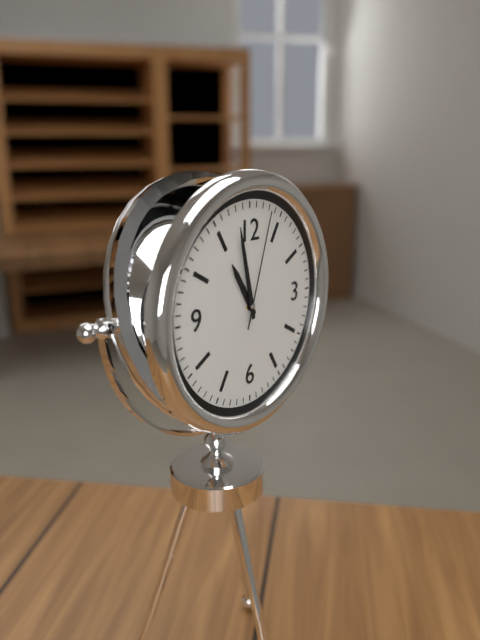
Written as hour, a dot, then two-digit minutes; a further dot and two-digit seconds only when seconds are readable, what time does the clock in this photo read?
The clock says 10.58.03
